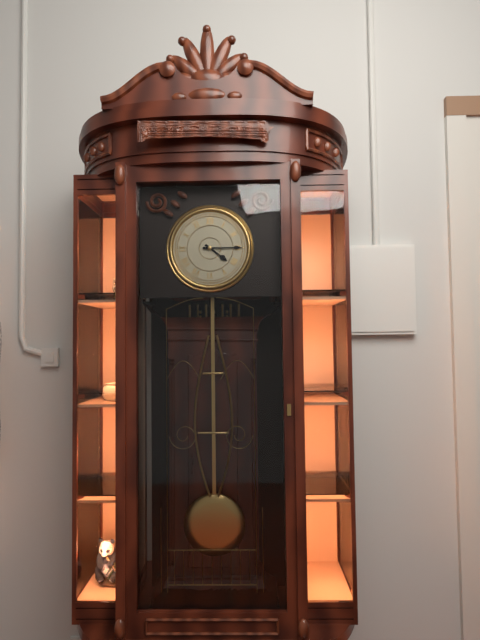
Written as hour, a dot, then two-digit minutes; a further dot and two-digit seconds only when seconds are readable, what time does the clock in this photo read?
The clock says 4.15
